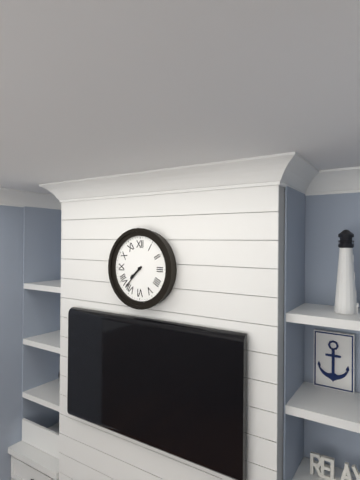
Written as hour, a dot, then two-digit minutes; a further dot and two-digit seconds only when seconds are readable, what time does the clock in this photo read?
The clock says 7.37
